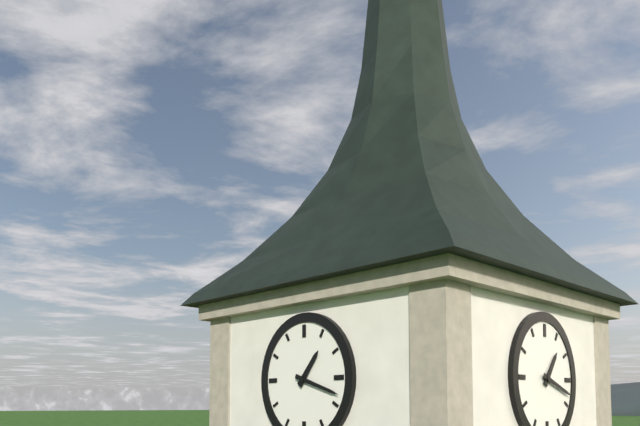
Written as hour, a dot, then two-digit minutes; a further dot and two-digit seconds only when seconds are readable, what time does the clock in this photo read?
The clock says 1.18
